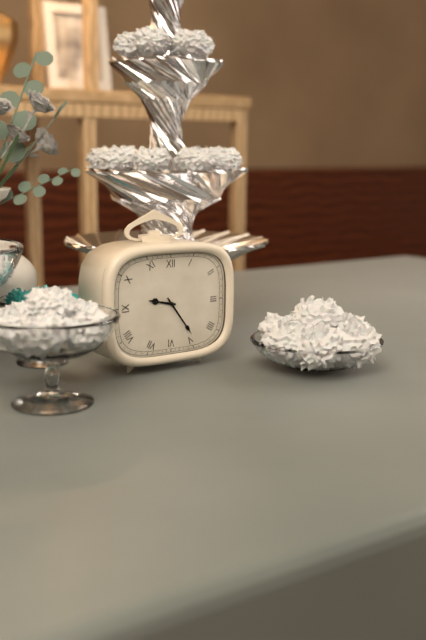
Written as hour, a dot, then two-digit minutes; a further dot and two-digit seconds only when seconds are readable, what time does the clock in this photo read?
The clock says 9.24
